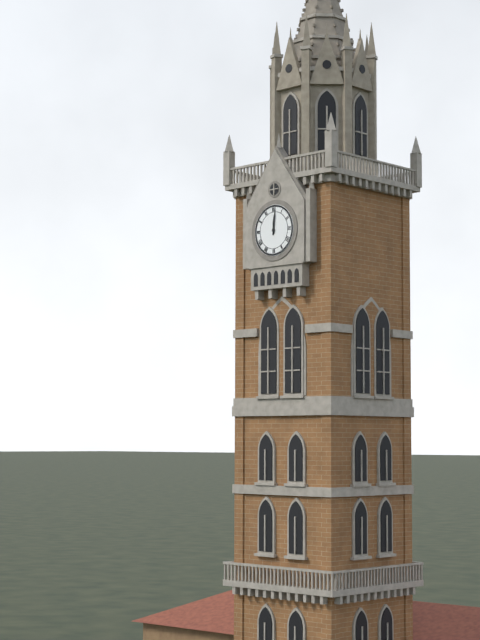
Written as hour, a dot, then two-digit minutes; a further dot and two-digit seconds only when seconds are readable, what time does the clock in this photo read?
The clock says 12.01
